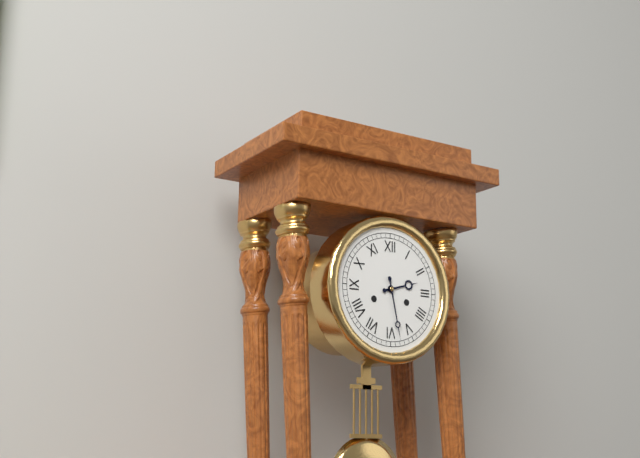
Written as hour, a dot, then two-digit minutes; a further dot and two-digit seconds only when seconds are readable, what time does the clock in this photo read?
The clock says 2.28
